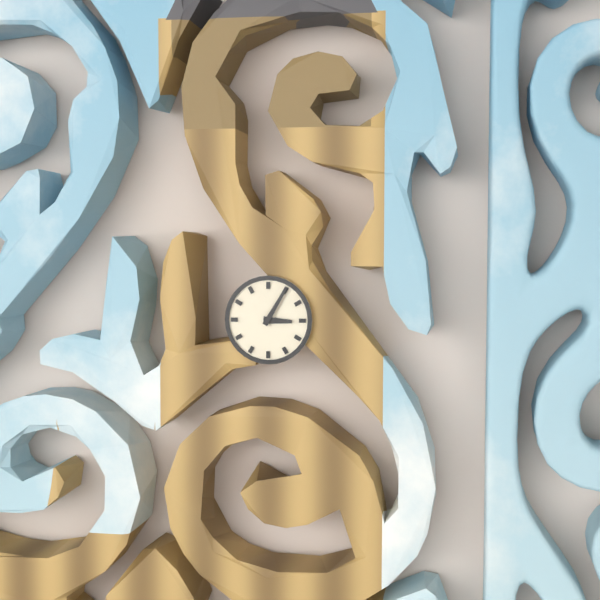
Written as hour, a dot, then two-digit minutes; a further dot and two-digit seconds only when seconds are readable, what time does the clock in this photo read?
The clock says 3.05
